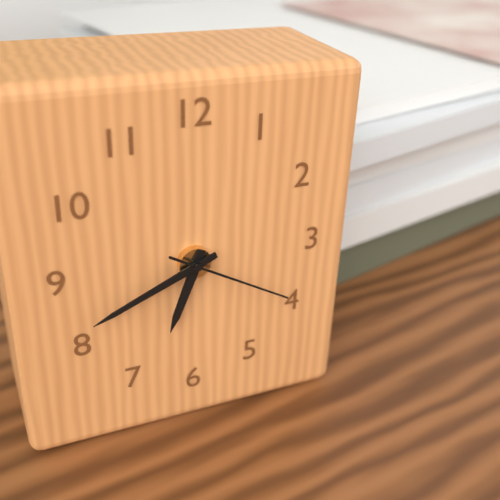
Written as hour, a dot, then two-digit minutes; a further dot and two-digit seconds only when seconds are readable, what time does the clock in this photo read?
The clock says 6.41.20
